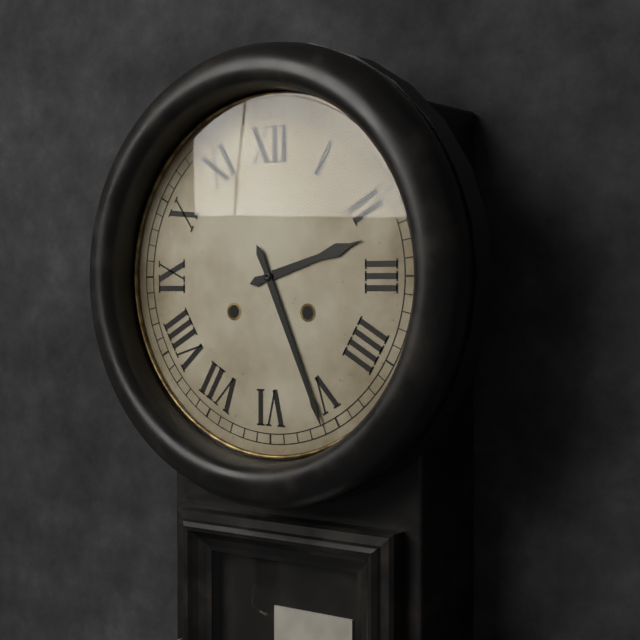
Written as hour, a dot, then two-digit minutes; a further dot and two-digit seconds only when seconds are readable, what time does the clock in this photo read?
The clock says 2.26
